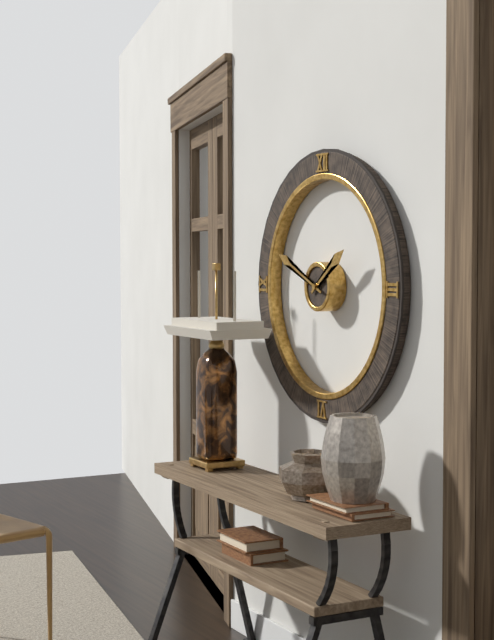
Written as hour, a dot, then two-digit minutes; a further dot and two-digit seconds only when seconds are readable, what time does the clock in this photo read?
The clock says 1.49
